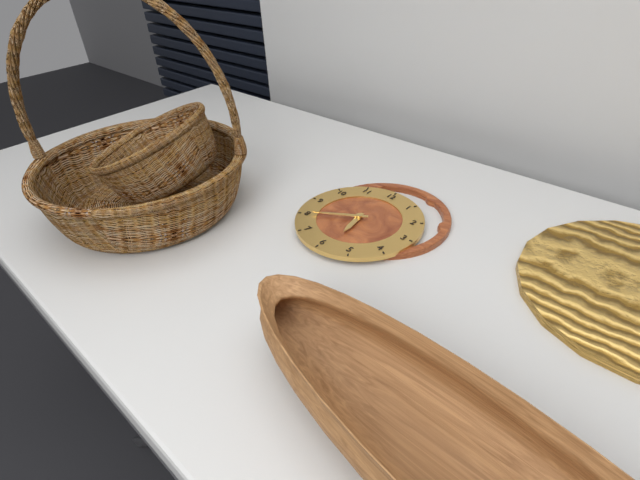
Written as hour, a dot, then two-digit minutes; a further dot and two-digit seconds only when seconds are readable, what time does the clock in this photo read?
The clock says 5.40
